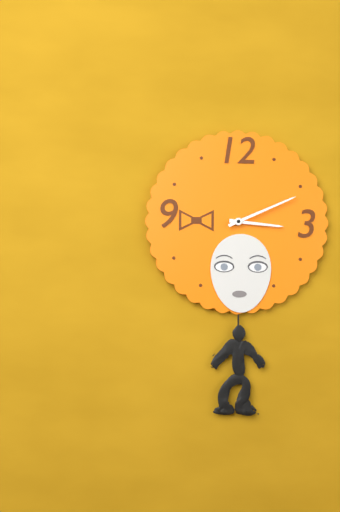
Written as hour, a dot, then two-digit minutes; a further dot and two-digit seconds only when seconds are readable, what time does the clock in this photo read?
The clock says 3.11
